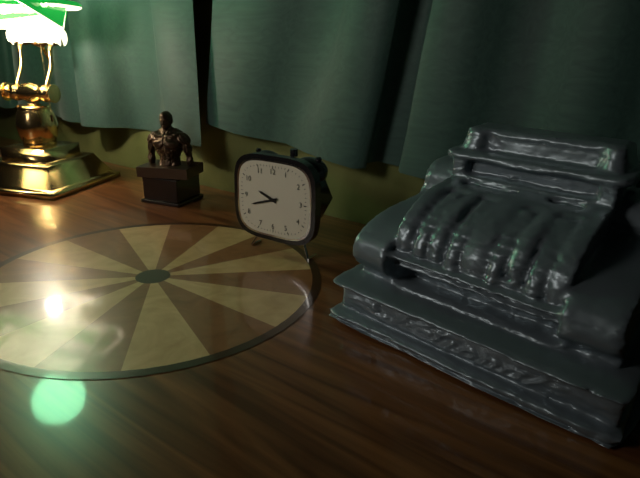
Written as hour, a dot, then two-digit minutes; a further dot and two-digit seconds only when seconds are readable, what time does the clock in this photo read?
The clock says 9.42
